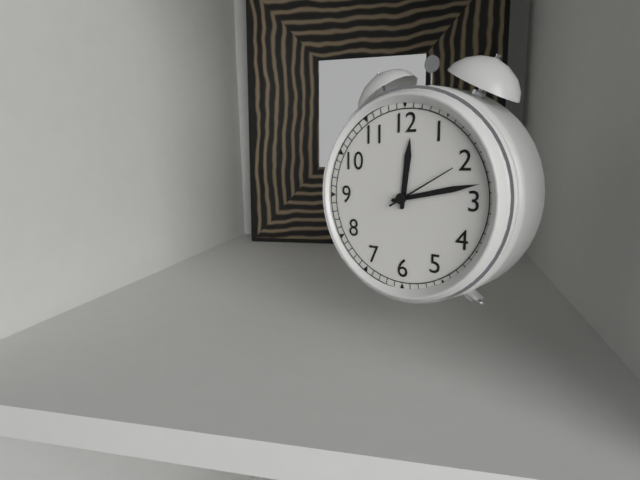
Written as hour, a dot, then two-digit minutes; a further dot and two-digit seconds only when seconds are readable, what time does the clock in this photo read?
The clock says 12.13.10
